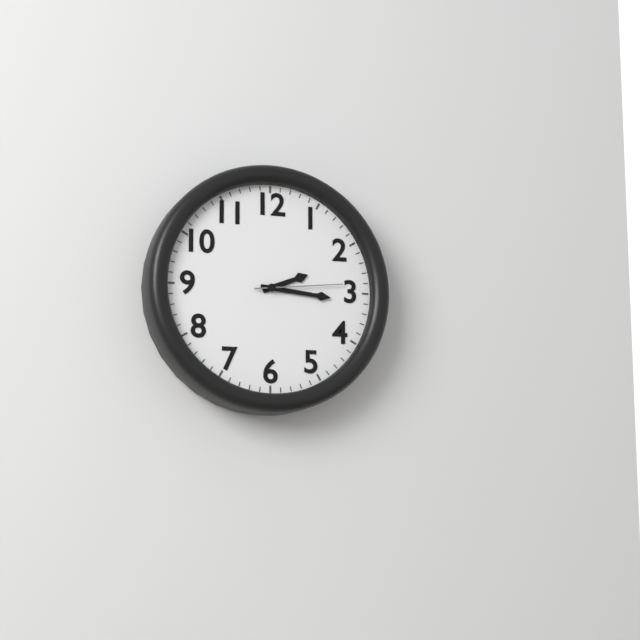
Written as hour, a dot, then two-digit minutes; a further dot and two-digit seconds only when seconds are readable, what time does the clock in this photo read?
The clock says 2.16.14
